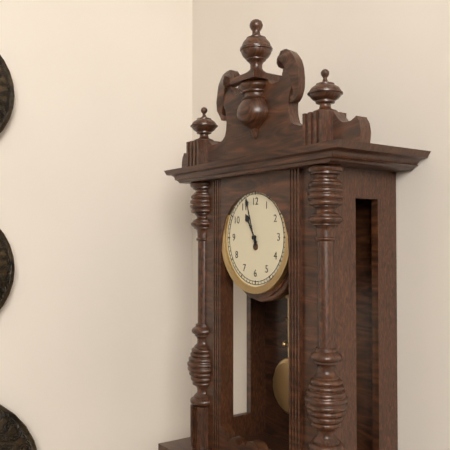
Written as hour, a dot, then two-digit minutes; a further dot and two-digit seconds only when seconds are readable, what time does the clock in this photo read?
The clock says 10.57
